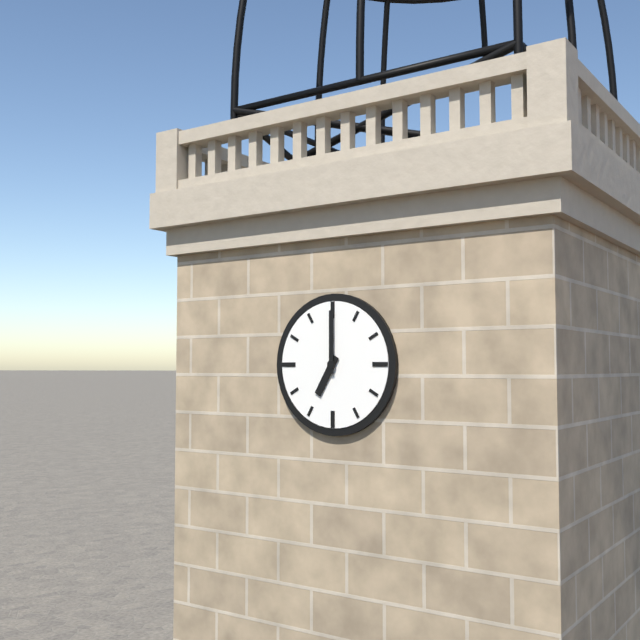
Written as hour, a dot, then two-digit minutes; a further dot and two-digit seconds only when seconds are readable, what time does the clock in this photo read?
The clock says 7.00
